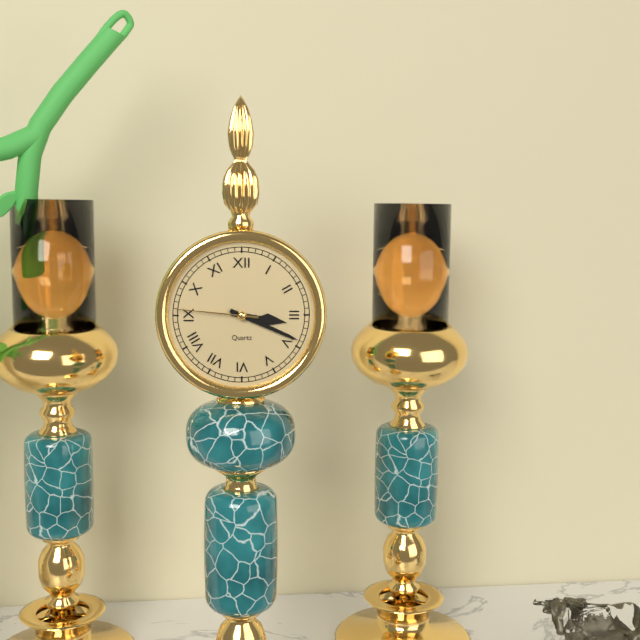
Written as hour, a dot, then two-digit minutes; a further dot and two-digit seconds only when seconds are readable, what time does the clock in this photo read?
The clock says 3.19.46
